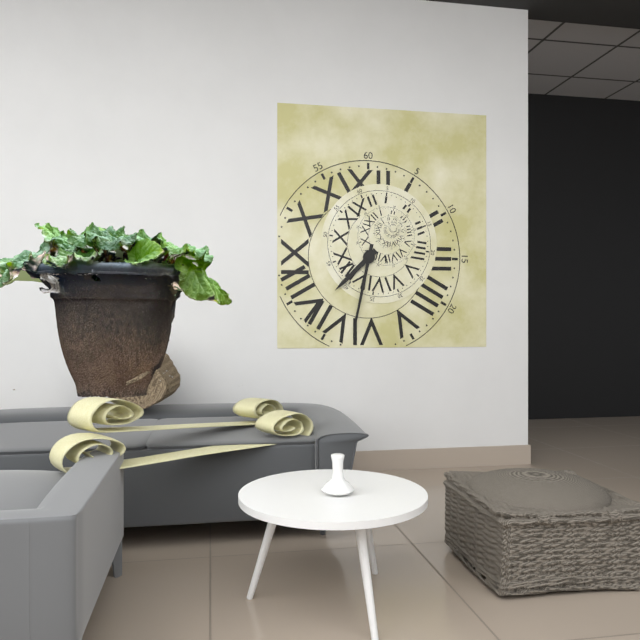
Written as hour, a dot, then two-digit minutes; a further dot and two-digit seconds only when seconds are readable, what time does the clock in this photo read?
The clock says 7.32
